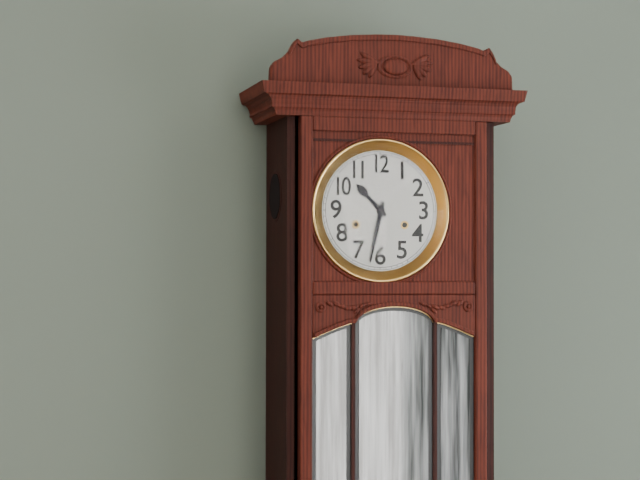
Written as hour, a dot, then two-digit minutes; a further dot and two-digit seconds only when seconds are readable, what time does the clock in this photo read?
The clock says 10.32
